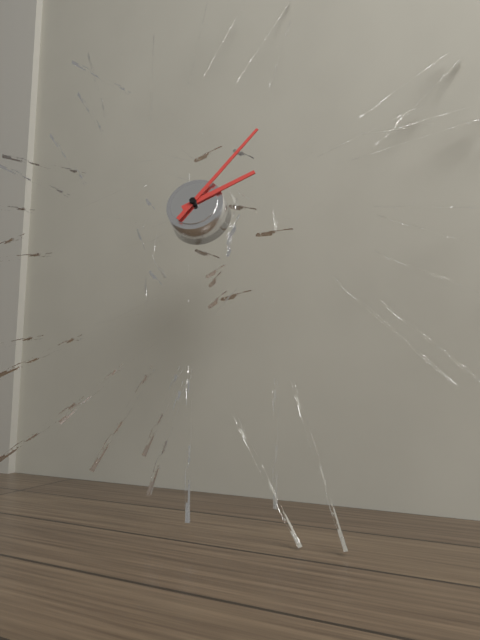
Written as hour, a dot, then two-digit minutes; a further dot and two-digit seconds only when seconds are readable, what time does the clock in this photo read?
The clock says 2.06
